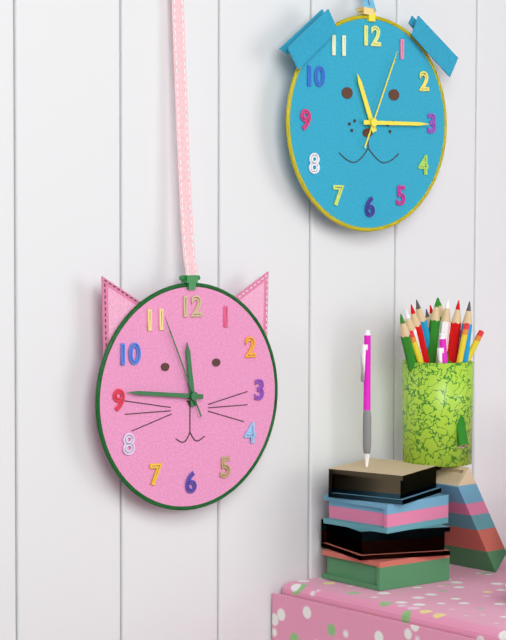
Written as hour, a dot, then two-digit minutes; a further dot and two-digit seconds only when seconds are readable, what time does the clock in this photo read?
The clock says 11.46.56
